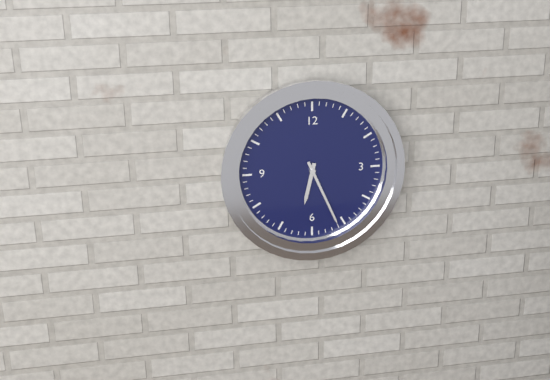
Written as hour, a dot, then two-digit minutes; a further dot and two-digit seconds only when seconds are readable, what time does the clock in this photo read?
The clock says 6.26
